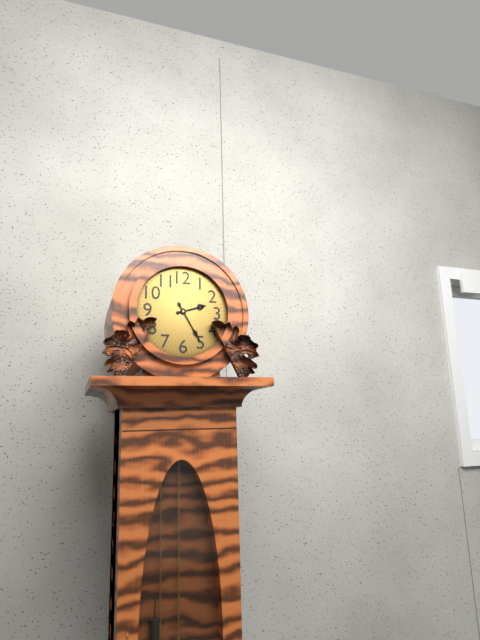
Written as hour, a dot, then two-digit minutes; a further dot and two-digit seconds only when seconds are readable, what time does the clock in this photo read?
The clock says 2.25
